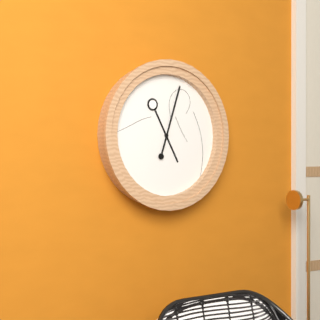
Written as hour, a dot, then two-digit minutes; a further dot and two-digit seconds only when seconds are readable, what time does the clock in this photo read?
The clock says 5.03
